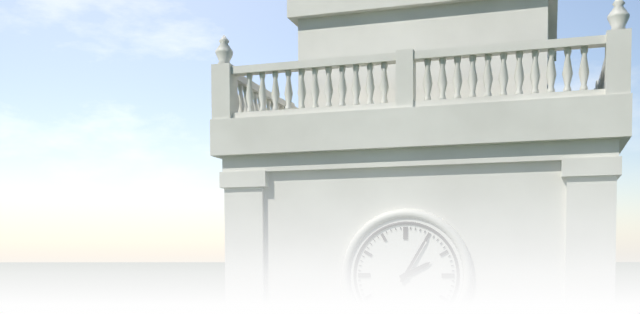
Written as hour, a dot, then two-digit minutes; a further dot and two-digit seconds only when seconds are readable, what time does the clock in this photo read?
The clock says 2.05
